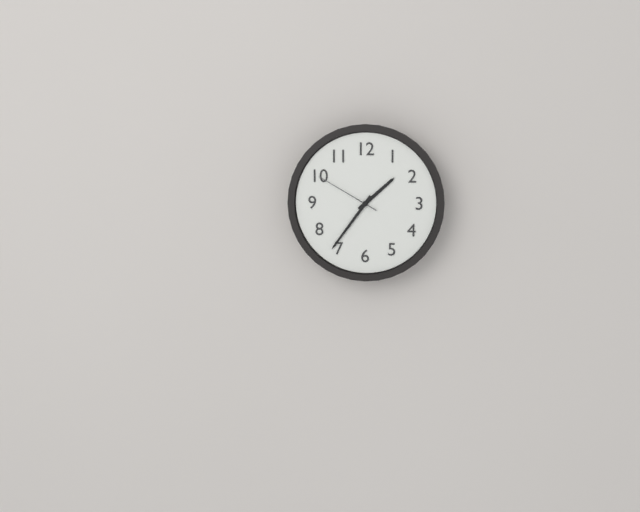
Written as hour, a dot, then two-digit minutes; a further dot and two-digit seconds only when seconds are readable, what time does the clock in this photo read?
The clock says 1.36.50
